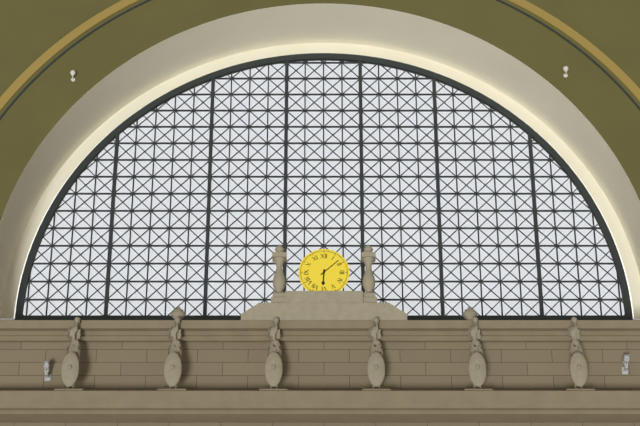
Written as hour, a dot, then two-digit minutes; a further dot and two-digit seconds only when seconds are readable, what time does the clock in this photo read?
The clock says 6.08
